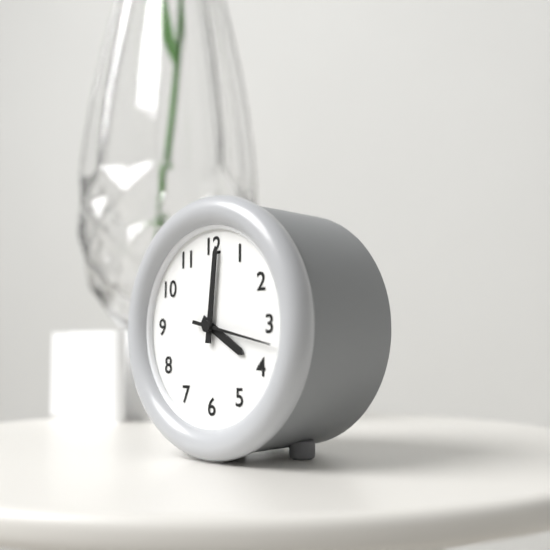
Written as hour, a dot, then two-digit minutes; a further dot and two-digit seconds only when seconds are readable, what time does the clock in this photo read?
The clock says 4.01.17
